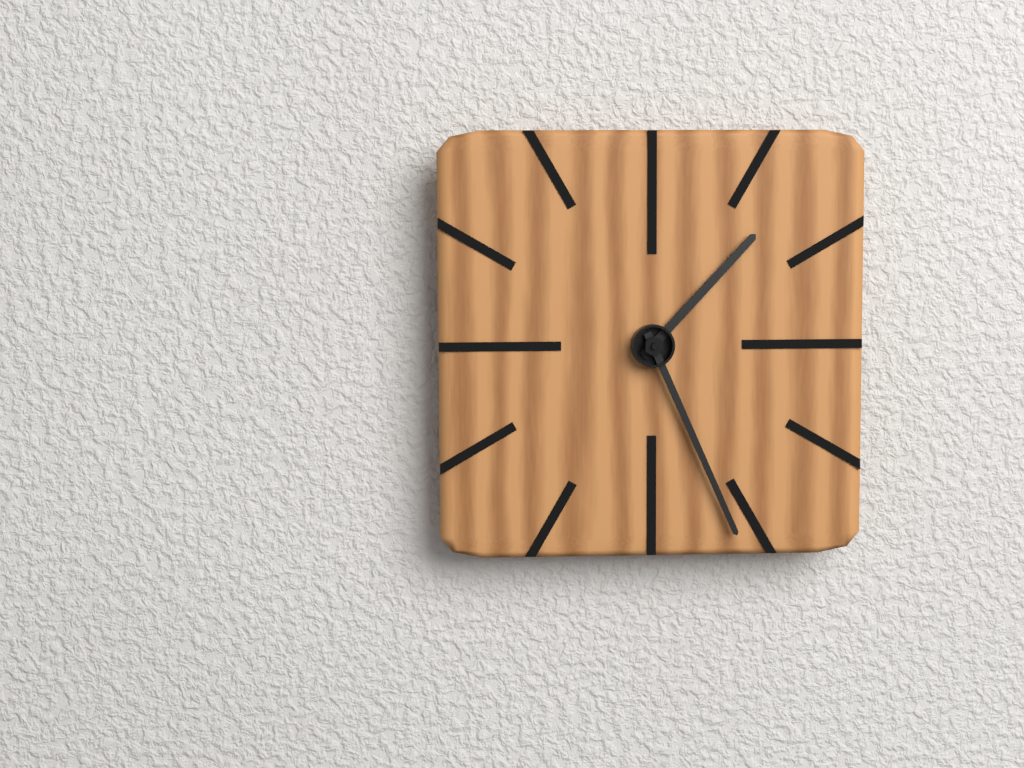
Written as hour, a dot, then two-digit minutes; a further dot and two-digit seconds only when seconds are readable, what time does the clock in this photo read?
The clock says 1.26
